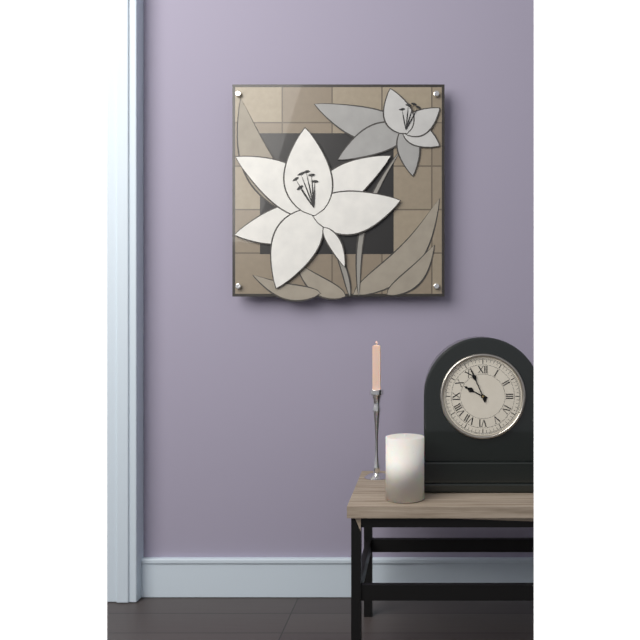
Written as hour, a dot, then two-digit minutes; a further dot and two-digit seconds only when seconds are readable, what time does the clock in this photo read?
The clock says 9.56
